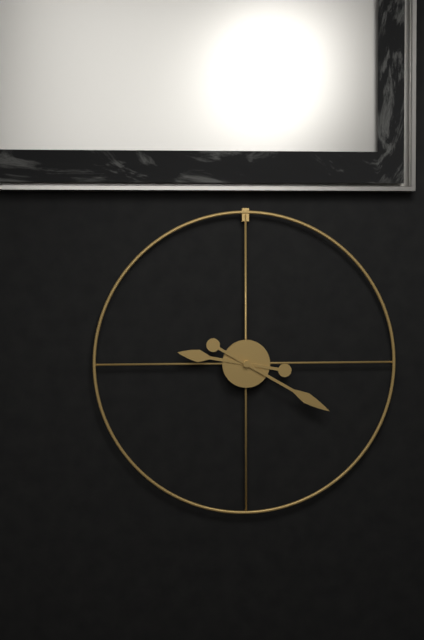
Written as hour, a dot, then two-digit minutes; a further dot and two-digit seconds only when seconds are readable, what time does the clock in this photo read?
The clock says 9.20
